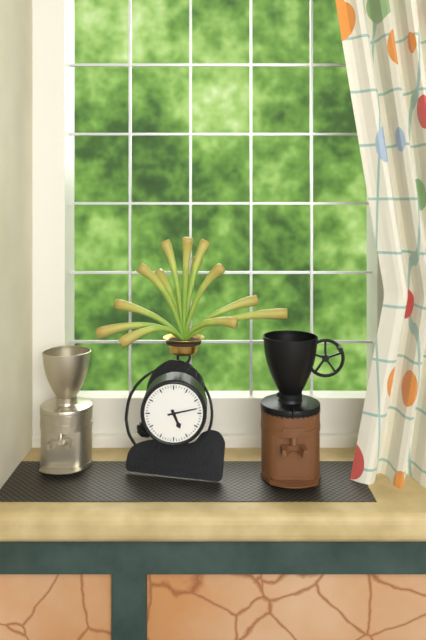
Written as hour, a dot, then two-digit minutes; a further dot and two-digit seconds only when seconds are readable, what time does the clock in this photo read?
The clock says 5.13
